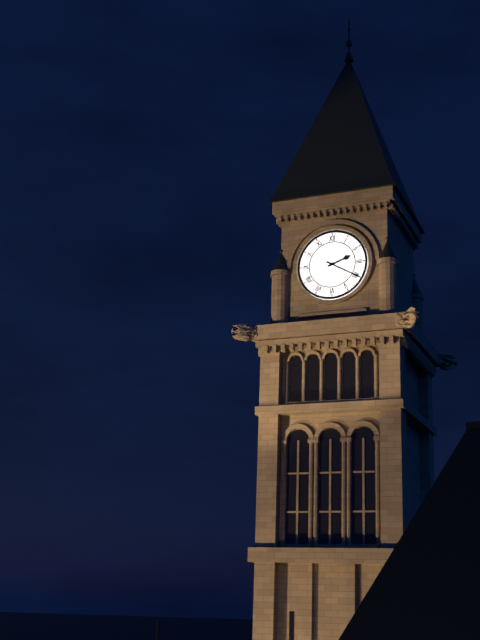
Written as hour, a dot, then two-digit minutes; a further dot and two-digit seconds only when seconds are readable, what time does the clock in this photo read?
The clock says 2.20
